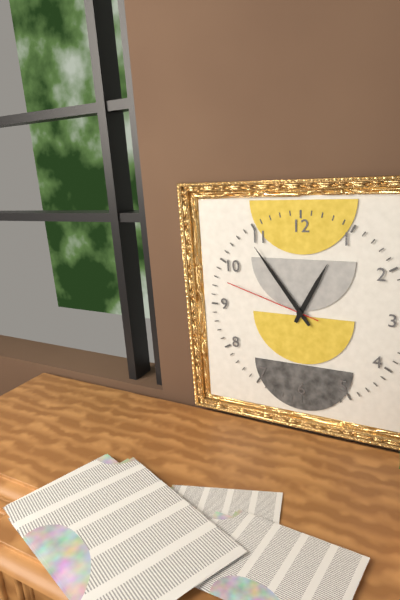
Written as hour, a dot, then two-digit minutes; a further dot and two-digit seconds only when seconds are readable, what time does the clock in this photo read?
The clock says 12.54.48
